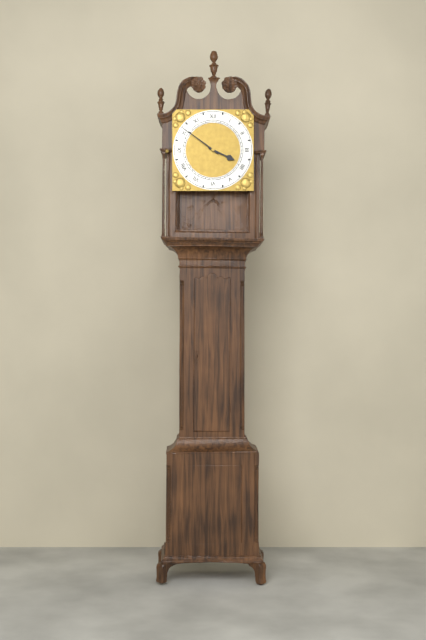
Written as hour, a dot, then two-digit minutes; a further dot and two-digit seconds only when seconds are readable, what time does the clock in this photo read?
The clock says 3.51
